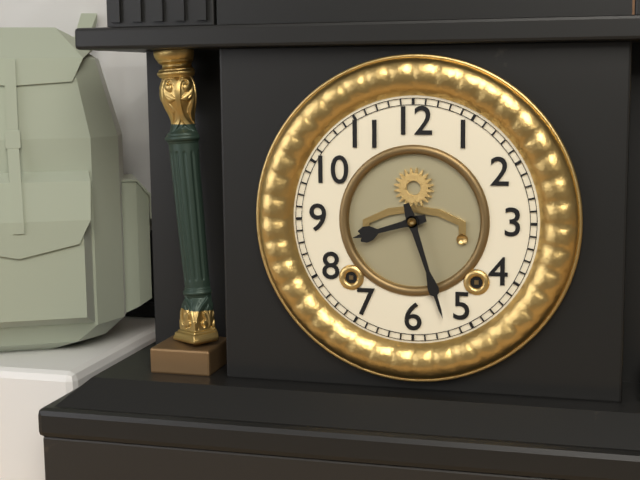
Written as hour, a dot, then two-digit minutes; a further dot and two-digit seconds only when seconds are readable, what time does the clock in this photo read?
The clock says 8.27
